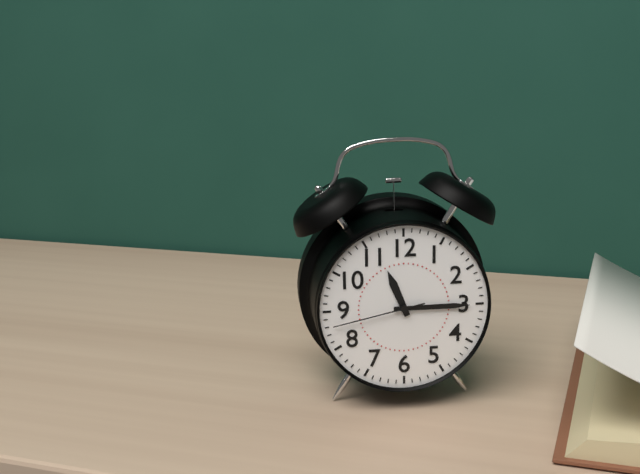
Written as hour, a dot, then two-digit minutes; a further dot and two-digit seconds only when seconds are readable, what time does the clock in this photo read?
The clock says 11.15.43
